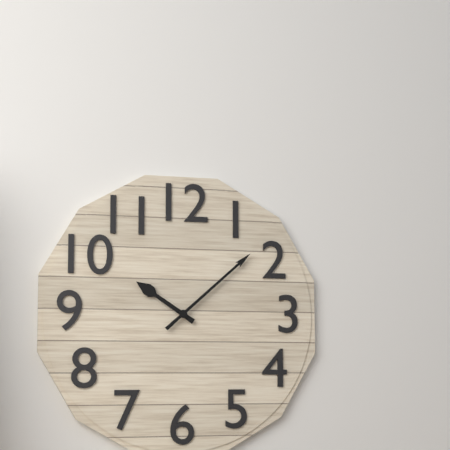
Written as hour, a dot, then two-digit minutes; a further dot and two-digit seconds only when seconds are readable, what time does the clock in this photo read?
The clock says 10.08
